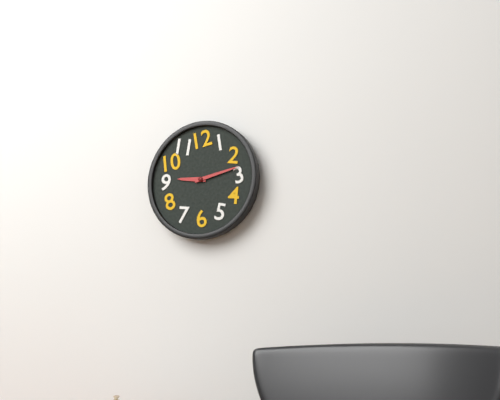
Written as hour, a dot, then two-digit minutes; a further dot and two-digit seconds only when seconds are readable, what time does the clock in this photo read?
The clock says 9.13
